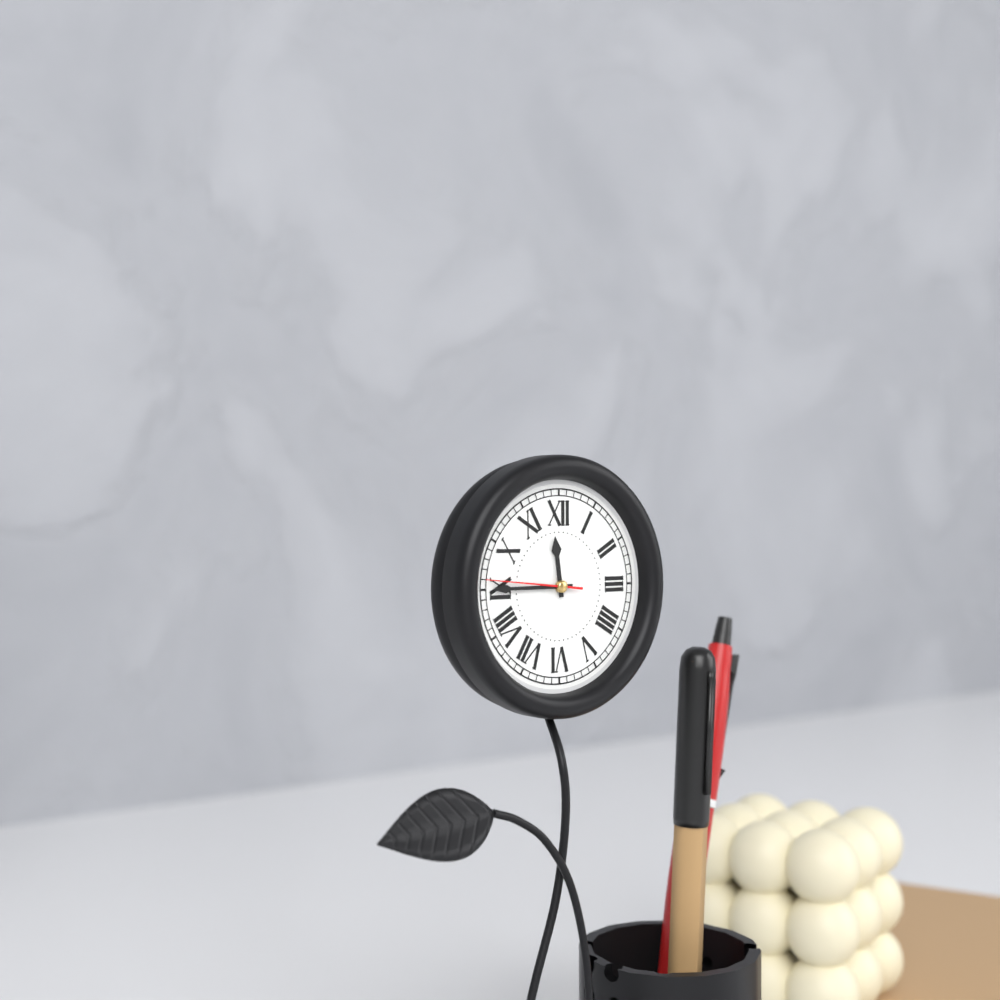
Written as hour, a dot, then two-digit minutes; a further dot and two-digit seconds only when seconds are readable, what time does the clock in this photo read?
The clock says 11.45.46
